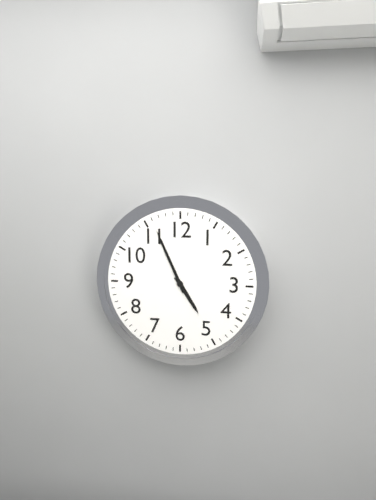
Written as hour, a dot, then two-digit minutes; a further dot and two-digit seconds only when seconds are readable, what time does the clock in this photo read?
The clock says 4.56
